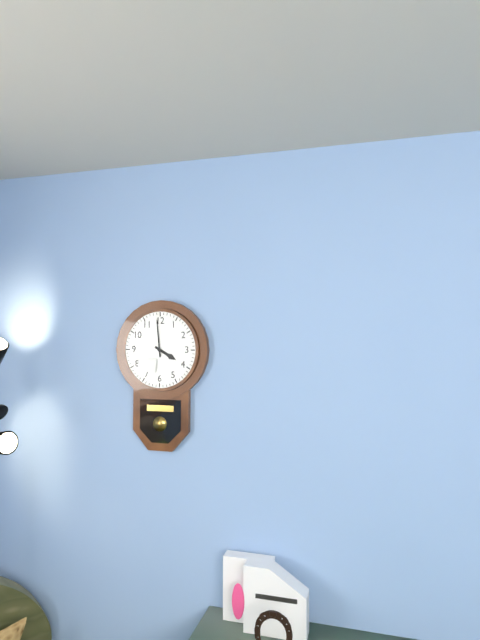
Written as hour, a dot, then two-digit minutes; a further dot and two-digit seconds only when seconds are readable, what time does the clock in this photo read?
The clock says 3.59
